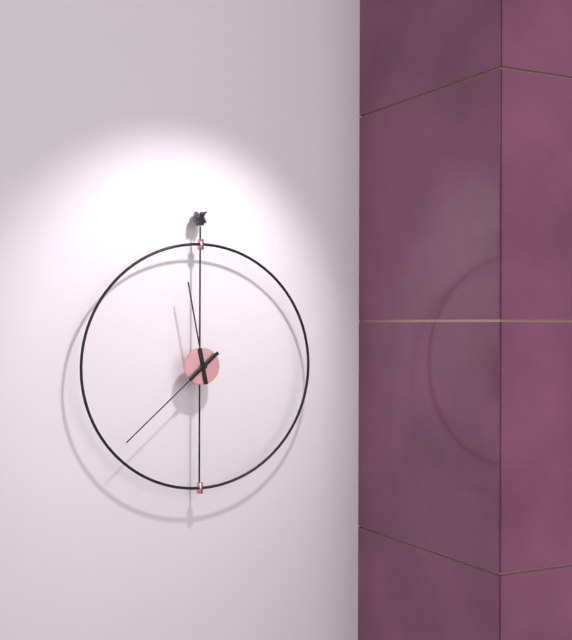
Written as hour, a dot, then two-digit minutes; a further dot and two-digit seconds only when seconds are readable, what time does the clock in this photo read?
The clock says 11.38
